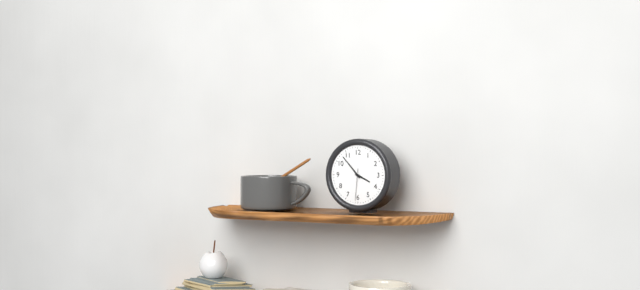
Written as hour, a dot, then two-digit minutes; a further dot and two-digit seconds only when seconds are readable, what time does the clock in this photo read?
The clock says 3.53
